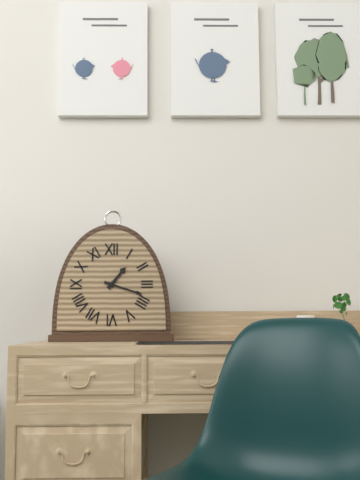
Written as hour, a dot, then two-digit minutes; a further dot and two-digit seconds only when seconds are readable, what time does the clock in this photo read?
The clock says 1.18
